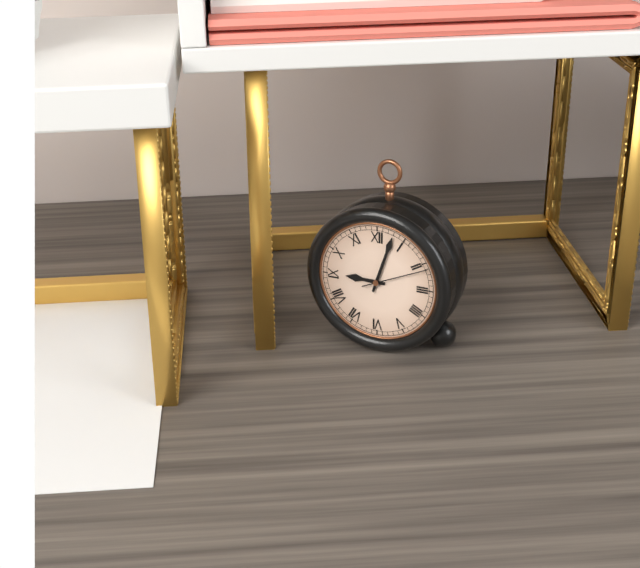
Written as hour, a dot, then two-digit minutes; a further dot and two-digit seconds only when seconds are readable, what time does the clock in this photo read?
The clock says 9.03.11
